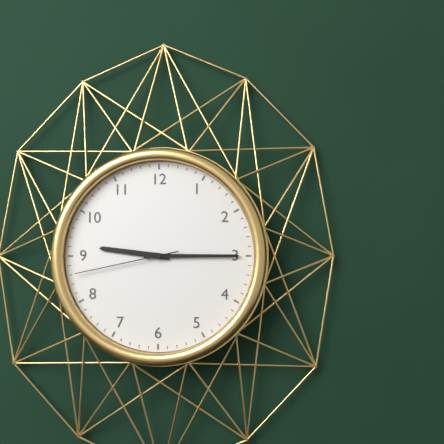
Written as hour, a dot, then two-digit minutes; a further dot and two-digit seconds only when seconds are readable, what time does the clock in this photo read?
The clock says 9.15.43
